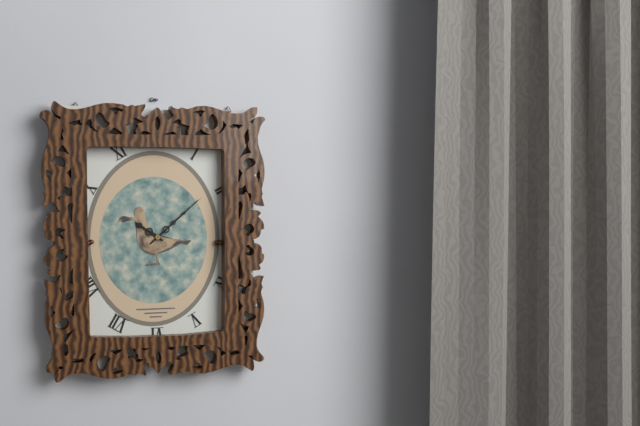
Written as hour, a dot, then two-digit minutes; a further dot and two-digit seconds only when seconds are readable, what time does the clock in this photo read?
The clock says 10.08
